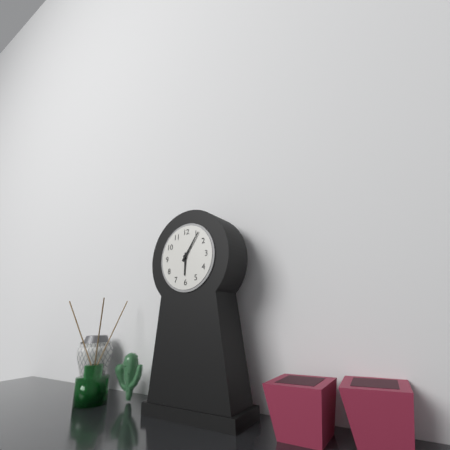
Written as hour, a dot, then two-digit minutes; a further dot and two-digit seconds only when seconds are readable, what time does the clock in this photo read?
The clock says 6.06
